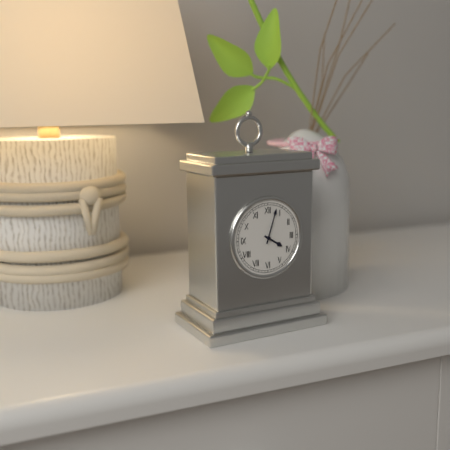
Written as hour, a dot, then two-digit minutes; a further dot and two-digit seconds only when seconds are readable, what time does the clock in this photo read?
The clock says 4.03
